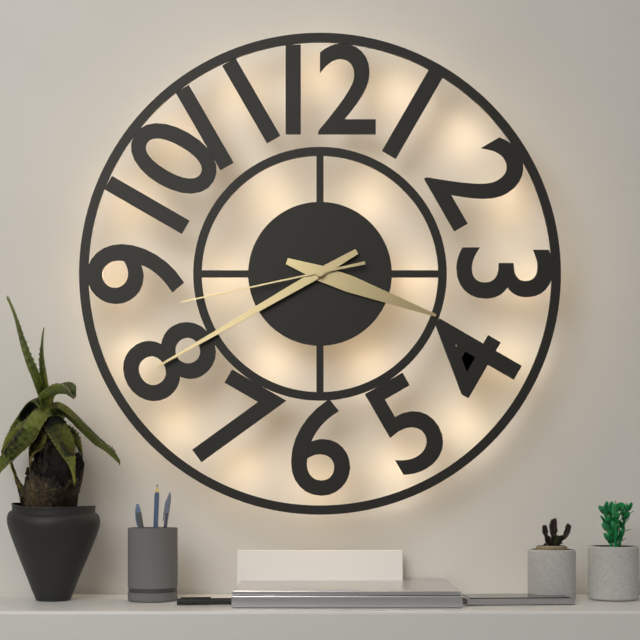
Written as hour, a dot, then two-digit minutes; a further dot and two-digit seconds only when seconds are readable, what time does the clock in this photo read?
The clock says 3.40.43
